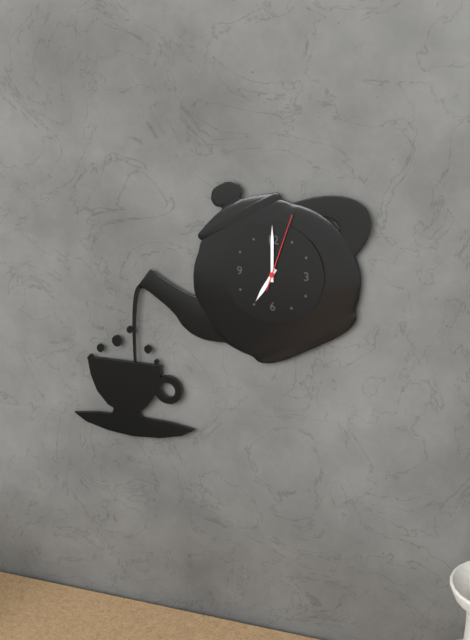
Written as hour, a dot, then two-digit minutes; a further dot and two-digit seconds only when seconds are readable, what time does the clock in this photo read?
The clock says 7.00.03
